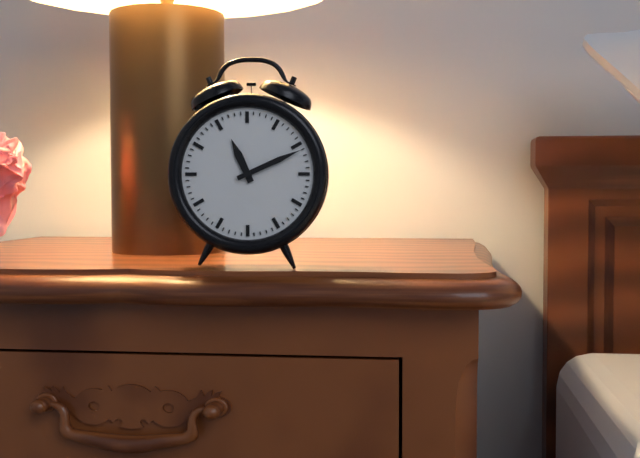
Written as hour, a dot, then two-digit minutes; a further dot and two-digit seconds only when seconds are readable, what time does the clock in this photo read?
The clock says 11.11
